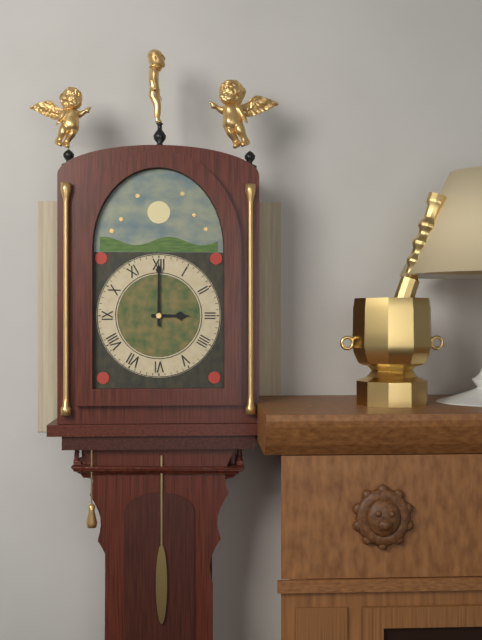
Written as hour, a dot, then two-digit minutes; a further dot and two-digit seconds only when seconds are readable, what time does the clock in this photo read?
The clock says 3.00
